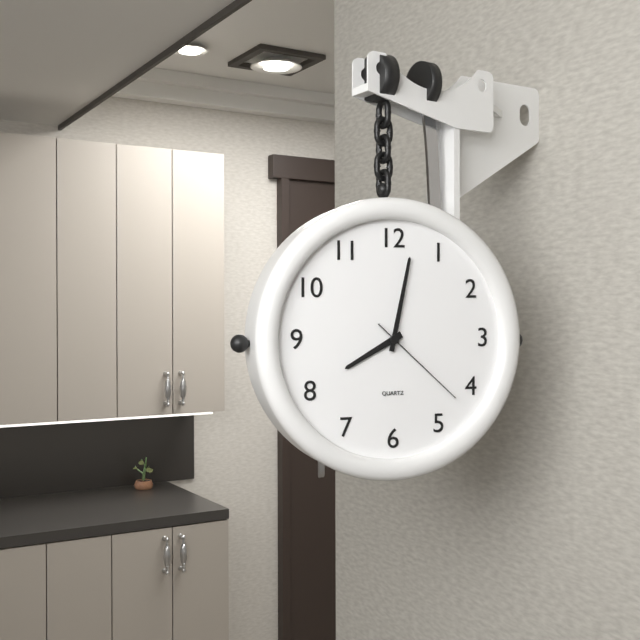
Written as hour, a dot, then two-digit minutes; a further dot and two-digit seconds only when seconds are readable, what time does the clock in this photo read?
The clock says 8.02.22
